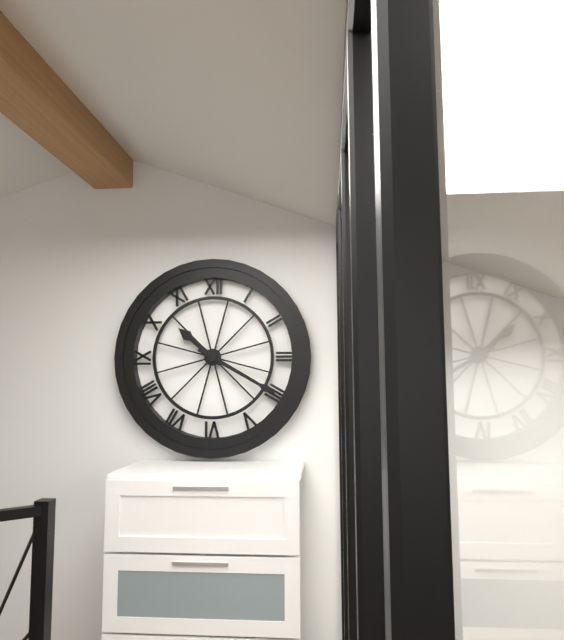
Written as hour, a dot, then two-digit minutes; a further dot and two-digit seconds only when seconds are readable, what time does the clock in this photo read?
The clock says 10.20
